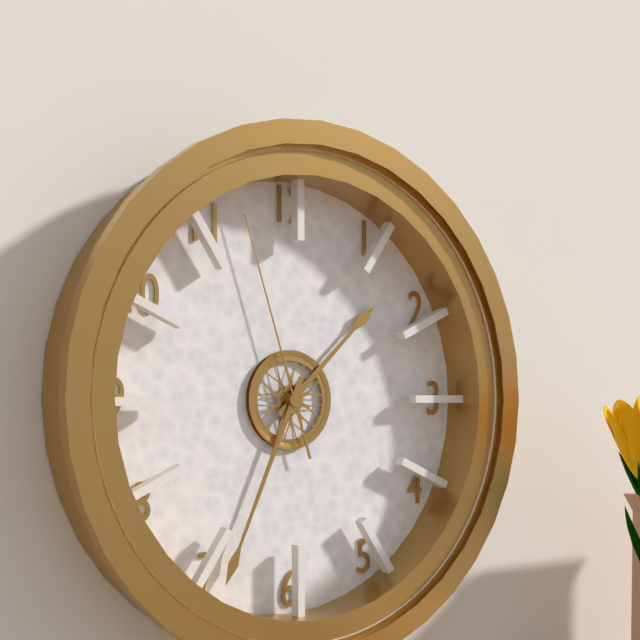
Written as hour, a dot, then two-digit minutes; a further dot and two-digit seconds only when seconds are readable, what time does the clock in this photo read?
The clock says 1.34.57
